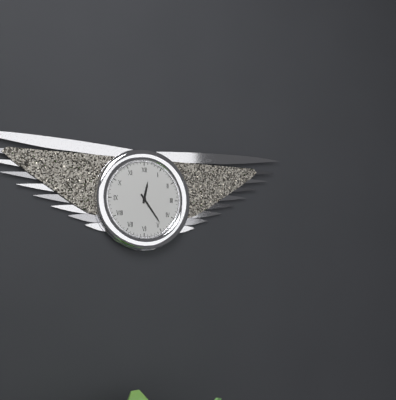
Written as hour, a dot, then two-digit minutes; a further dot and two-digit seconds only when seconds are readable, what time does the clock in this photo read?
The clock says 12.24
